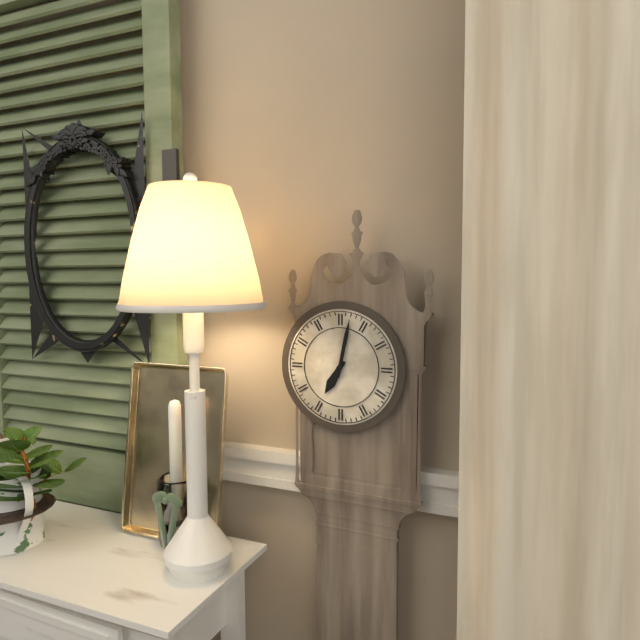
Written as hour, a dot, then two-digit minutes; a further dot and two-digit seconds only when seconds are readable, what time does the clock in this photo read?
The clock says 7.02
